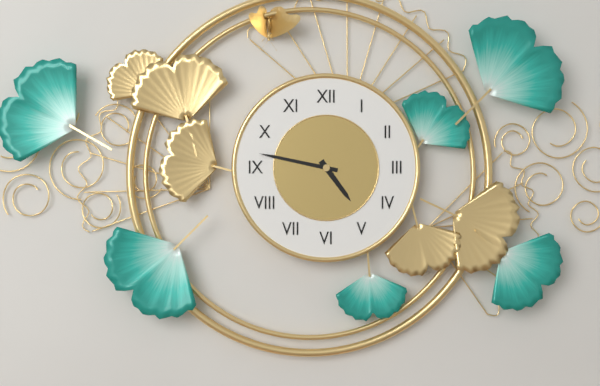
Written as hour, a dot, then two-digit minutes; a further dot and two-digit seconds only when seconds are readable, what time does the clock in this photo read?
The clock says 4.47
